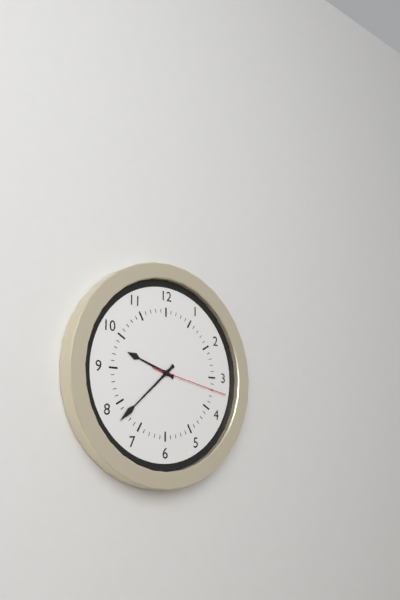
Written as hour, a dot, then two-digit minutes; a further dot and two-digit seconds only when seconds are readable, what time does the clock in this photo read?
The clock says 9.38.17
